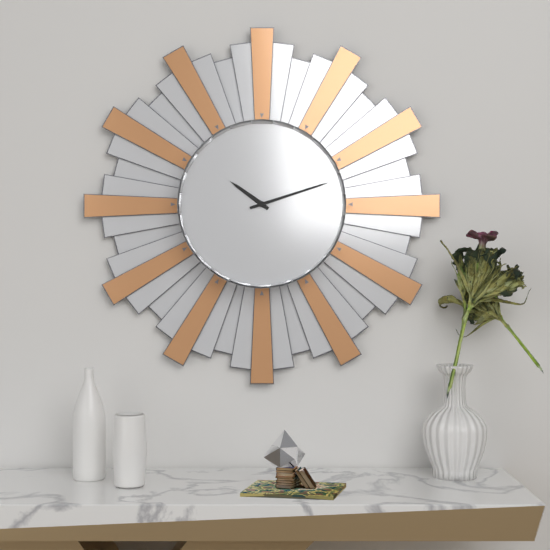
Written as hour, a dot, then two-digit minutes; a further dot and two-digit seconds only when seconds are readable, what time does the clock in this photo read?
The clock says 10.12
